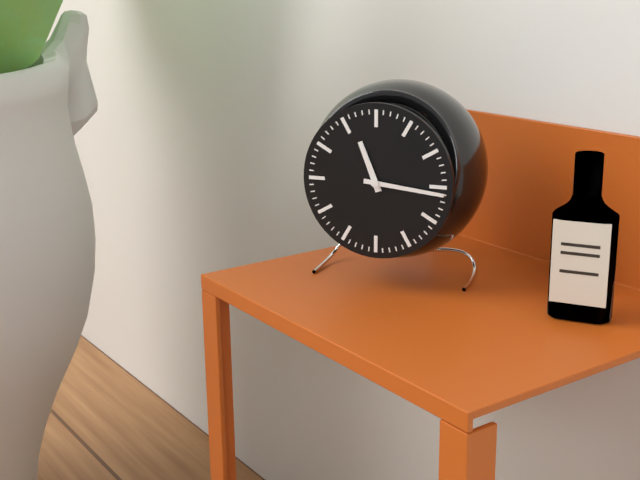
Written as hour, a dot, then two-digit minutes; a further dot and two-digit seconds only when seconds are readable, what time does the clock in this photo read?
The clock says 11.16
